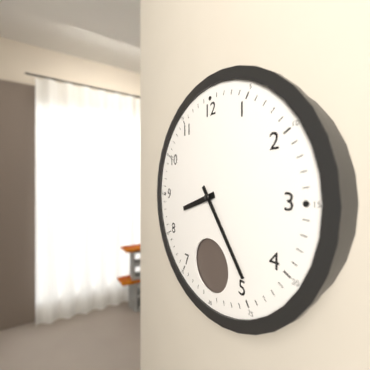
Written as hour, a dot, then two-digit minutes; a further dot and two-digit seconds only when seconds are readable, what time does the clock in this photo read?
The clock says 8.24
